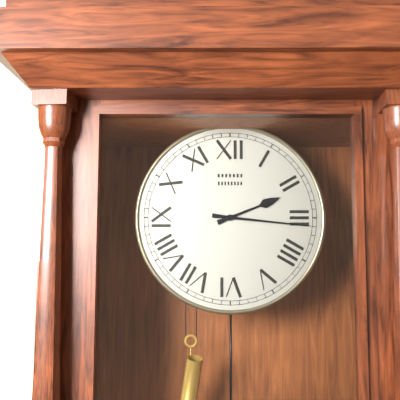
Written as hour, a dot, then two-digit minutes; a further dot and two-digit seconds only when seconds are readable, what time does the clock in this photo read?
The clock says 2.16
